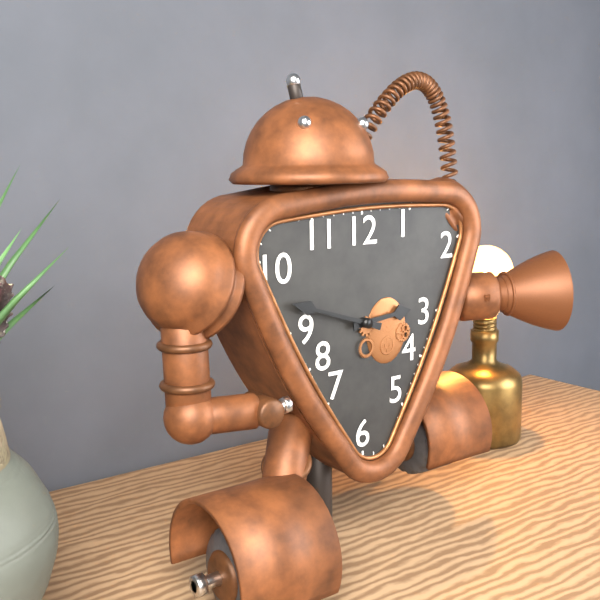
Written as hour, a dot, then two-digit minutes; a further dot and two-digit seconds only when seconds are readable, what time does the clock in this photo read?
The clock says 2.48
